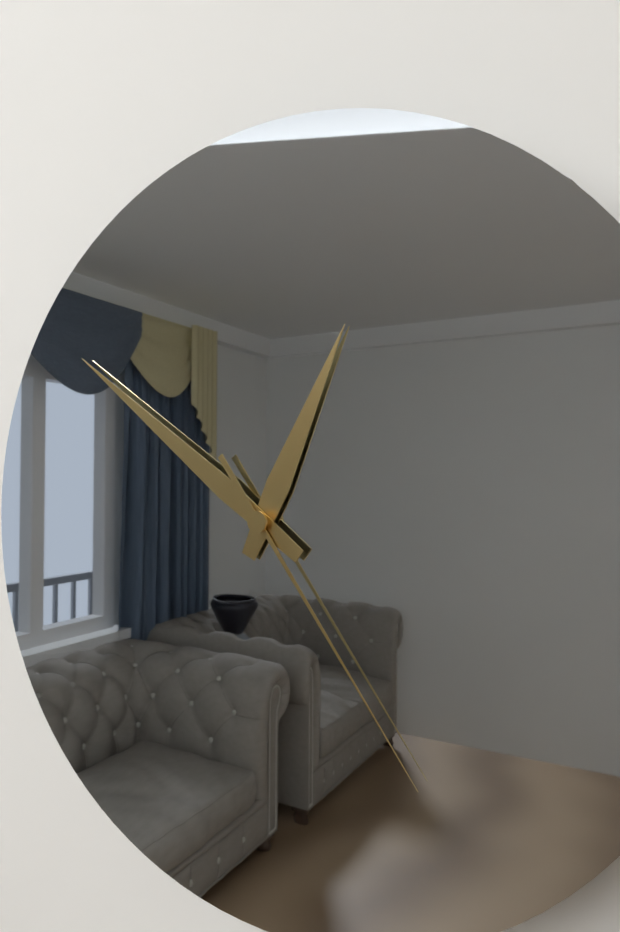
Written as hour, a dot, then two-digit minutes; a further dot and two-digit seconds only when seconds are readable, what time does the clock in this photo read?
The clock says 12.51.24
